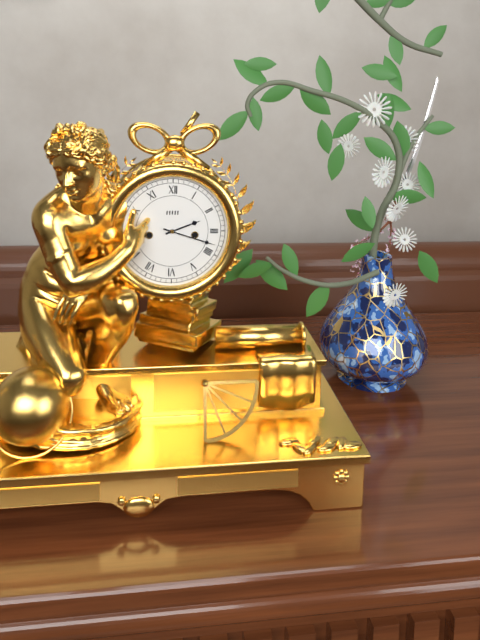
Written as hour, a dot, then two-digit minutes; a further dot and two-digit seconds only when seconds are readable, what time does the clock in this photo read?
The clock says 2.18
